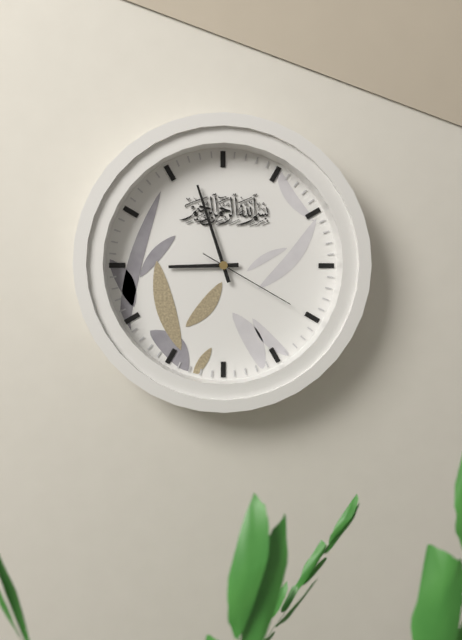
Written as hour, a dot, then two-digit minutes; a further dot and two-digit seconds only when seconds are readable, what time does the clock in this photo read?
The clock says 8.57.20
